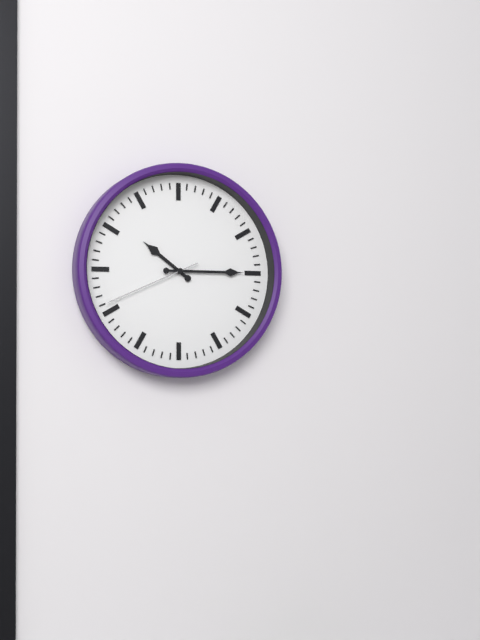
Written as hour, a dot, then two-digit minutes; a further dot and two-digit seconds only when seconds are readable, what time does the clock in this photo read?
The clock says 10.15.41
